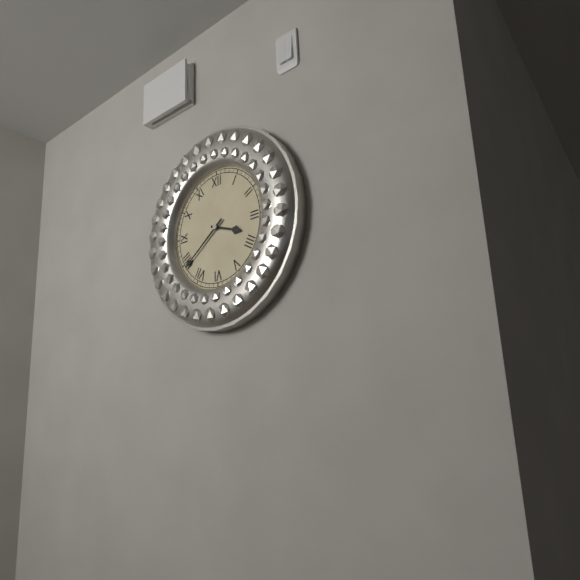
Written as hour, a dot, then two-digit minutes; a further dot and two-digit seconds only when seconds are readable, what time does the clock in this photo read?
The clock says 3.39
